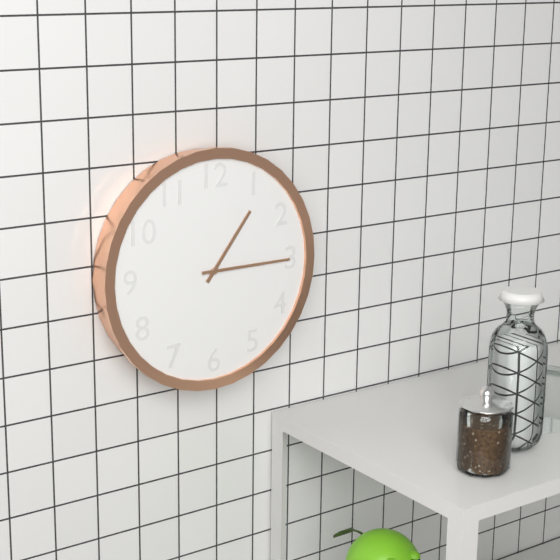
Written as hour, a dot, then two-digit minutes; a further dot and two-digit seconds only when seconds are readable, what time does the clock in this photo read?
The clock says 1.15
